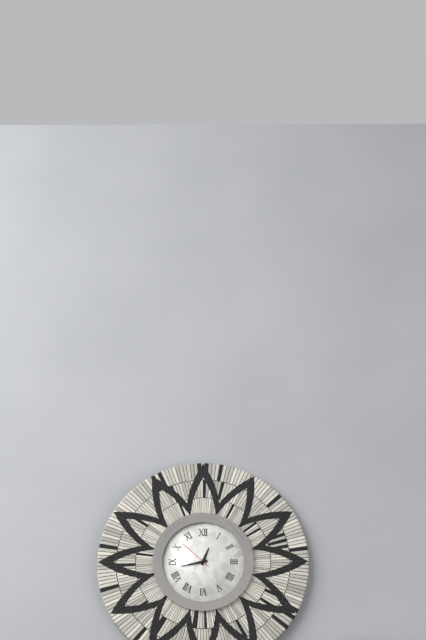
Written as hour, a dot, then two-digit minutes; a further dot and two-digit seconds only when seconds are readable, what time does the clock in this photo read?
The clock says 12.43
